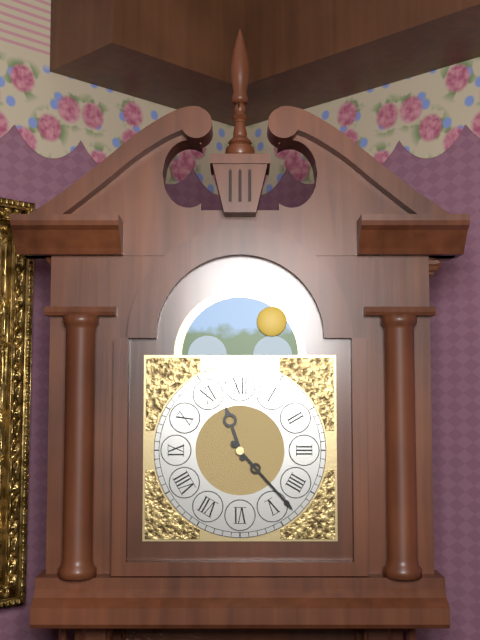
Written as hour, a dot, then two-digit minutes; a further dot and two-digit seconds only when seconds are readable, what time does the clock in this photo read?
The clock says 11.23
